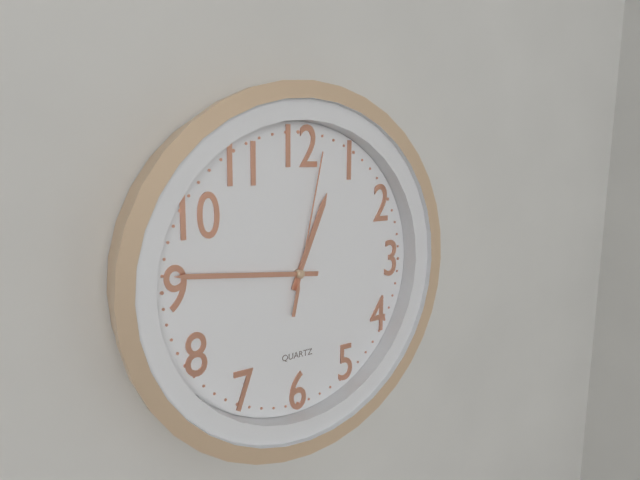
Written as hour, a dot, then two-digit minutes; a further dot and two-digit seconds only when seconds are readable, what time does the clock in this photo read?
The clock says 12.46.02
